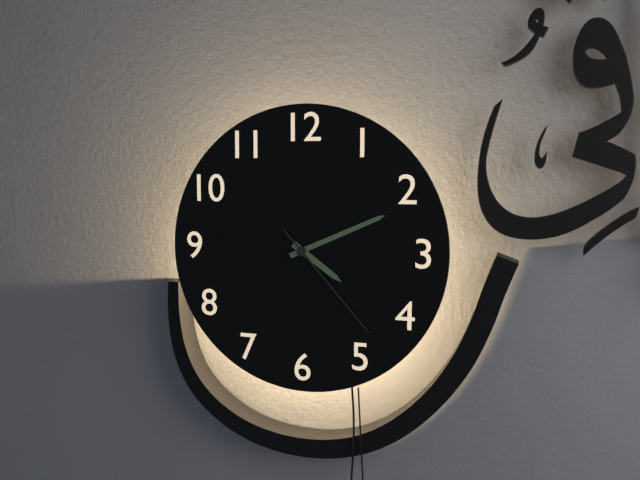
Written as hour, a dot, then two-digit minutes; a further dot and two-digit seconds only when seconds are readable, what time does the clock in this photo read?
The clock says 4.11.23
